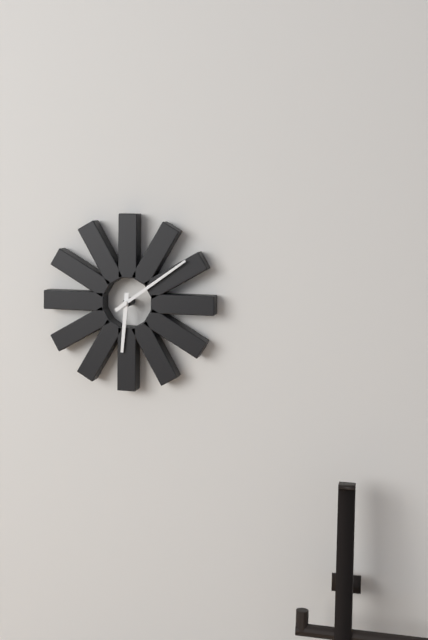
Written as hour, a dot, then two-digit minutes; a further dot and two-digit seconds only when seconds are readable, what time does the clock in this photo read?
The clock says 6.09
